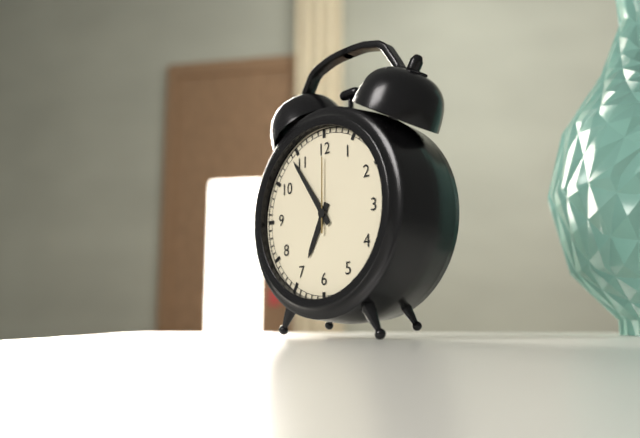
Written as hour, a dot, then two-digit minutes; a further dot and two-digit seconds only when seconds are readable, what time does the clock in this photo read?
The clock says 6.54.00
